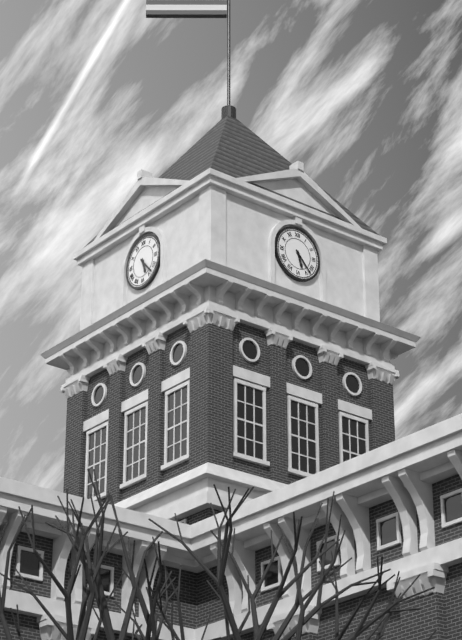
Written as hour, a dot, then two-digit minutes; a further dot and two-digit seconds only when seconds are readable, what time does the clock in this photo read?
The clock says 5.23
